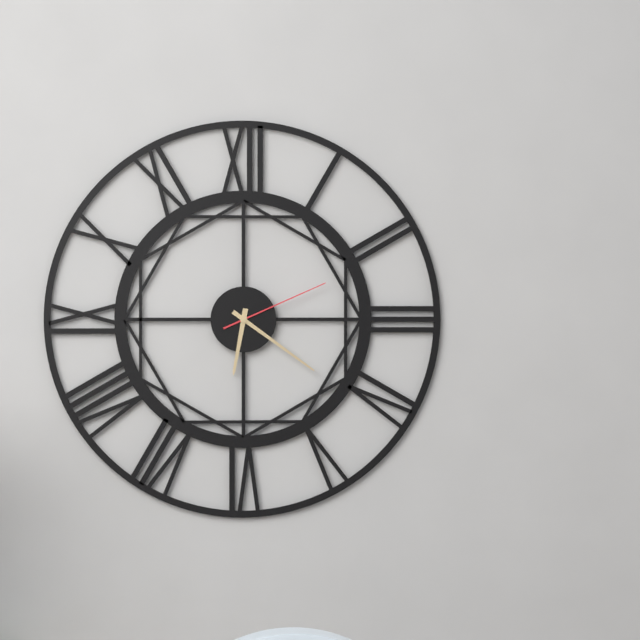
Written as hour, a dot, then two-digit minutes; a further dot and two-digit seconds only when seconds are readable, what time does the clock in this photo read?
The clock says 6.21.11
